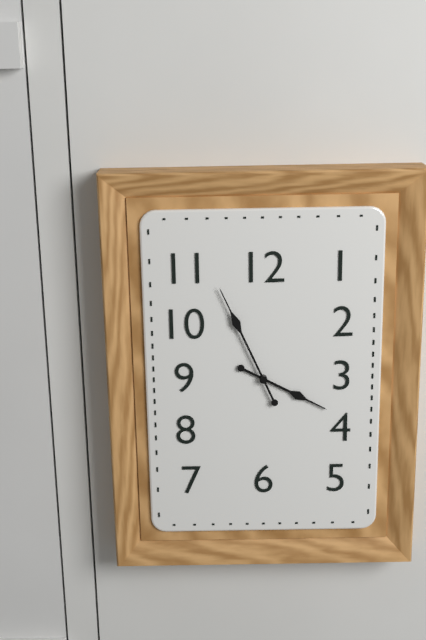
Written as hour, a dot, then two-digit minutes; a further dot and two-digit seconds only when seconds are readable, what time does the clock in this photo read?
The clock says 3.56
